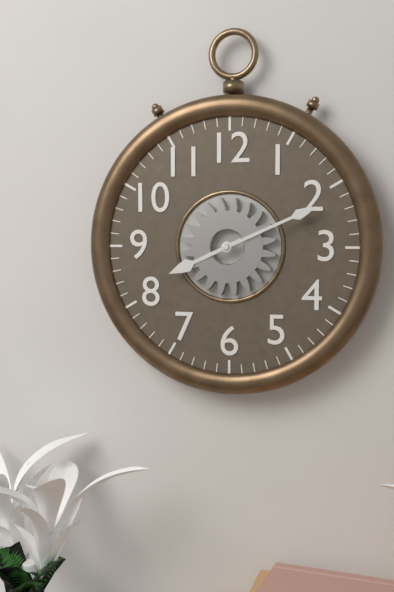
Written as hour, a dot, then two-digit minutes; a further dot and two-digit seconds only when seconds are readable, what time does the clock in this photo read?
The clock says 8.11
